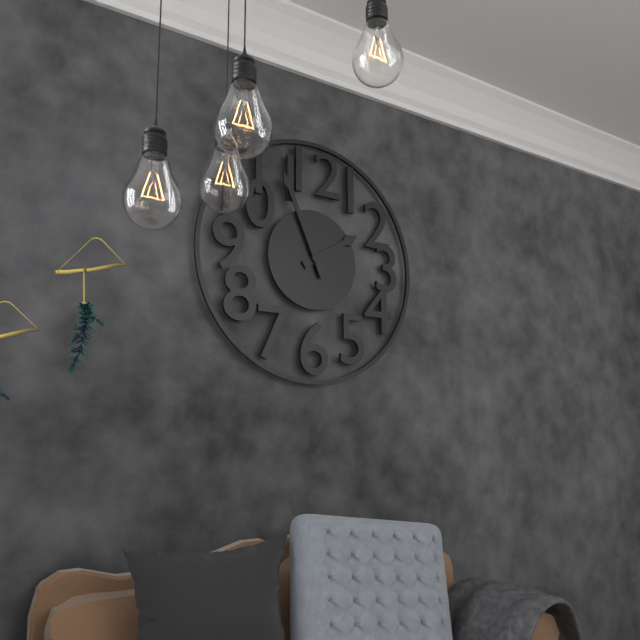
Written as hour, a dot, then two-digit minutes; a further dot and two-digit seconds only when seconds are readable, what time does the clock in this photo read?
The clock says 1.56
